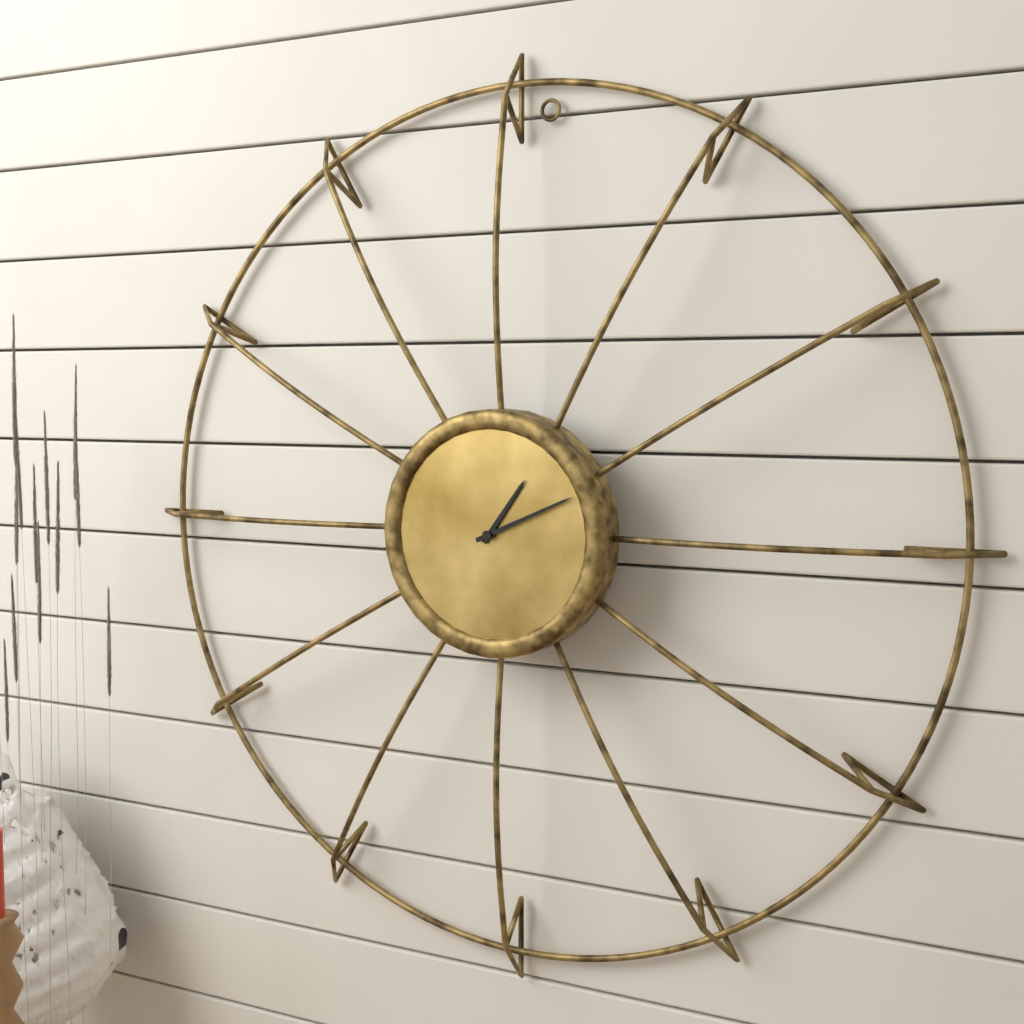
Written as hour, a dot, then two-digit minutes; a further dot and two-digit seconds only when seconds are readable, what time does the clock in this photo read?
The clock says 1.11
